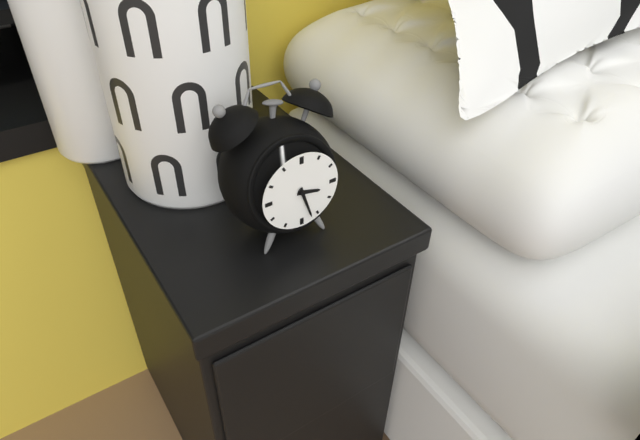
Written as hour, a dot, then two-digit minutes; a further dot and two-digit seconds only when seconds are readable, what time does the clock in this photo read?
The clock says 3.27
